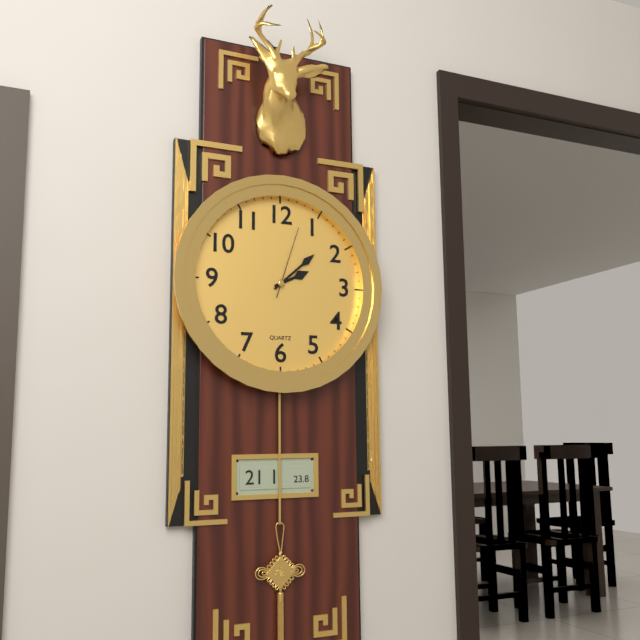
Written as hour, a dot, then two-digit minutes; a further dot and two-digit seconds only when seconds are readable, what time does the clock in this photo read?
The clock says 2.08.03
